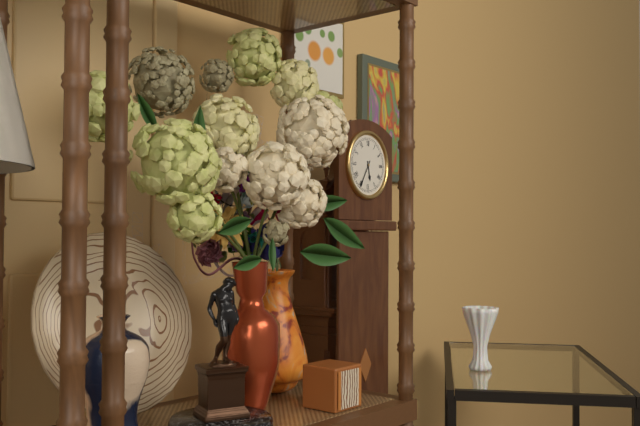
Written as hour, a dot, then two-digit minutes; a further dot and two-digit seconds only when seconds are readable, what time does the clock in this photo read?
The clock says 5.35
